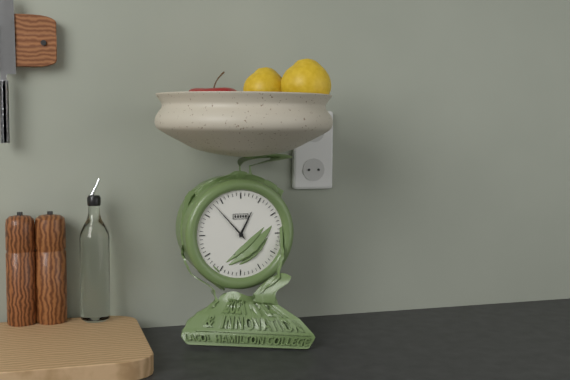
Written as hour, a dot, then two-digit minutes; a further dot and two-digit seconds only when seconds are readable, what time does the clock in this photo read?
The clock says 12.53
